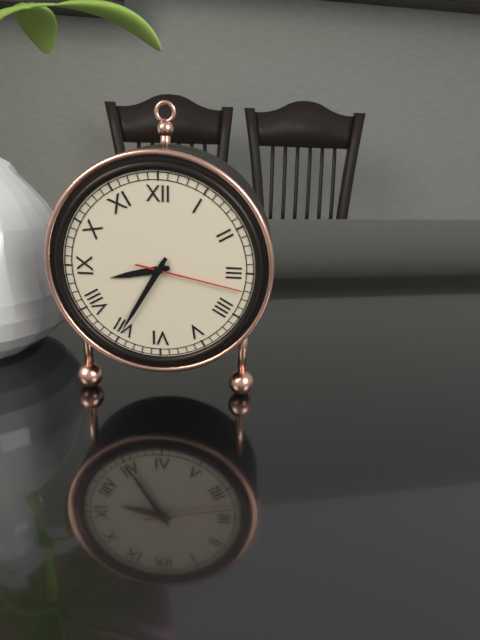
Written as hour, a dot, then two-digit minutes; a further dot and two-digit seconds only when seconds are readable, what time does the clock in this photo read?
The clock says 8.35.17
